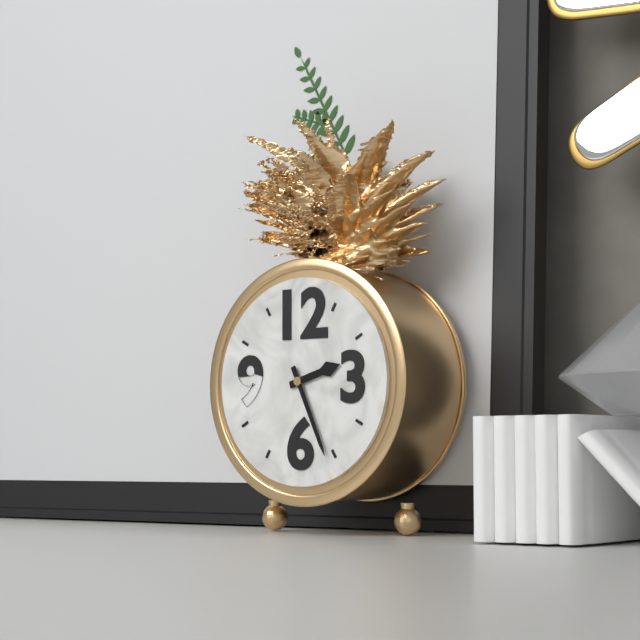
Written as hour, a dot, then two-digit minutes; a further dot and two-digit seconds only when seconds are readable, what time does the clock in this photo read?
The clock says 2.26
